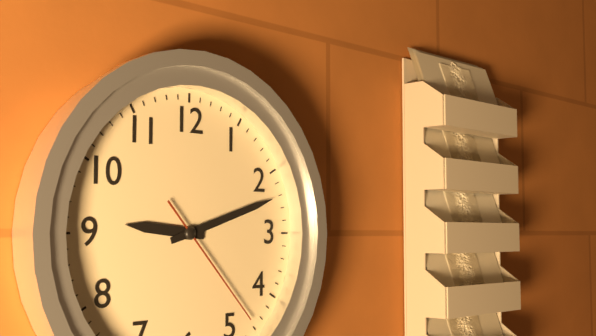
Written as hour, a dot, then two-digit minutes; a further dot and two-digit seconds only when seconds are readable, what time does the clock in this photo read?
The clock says 9.12.23
